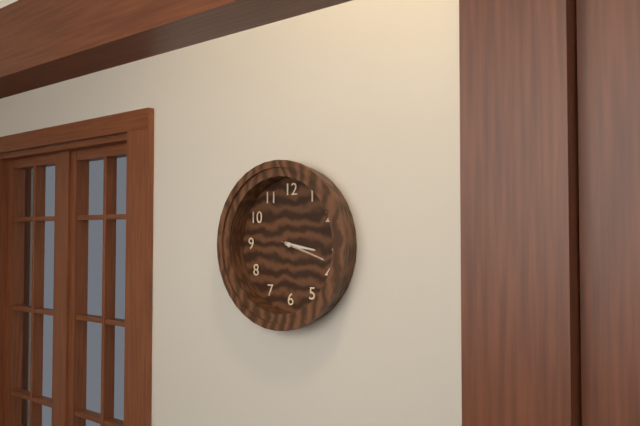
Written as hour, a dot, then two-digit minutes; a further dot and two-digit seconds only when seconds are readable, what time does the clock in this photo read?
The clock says 3.18
